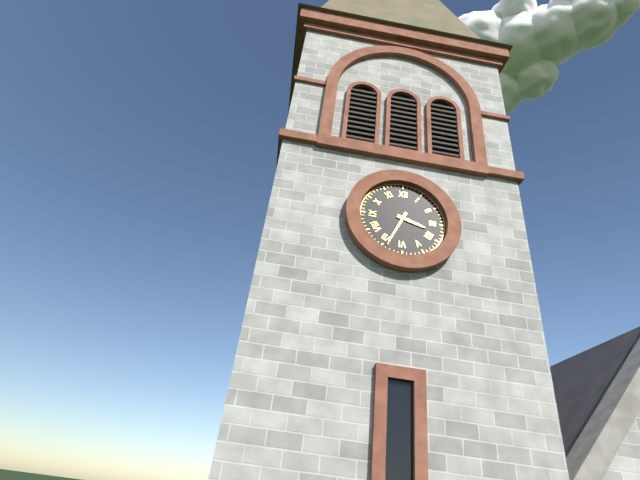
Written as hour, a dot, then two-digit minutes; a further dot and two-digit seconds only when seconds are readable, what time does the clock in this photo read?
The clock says 3.34
